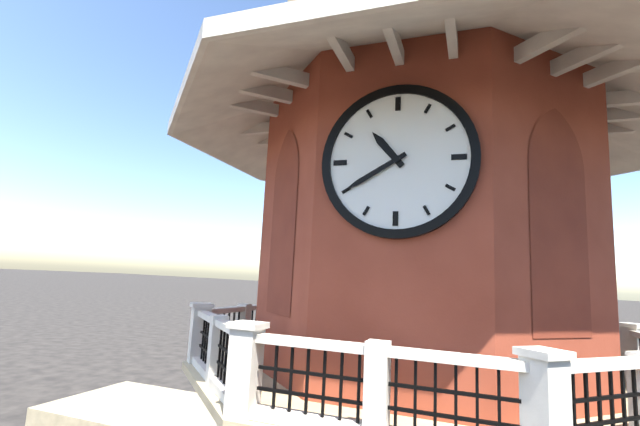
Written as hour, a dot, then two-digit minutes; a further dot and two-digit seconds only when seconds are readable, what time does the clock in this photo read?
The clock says 10.40
